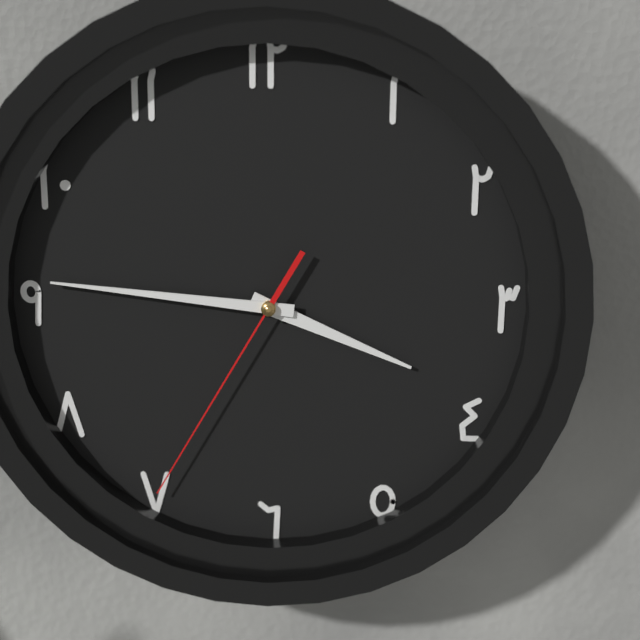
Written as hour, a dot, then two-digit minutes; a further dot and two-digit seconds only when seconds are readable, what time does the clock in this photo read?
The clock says 3.46.35
